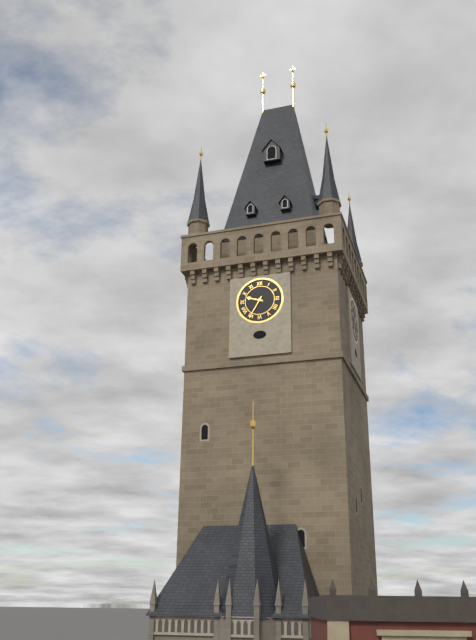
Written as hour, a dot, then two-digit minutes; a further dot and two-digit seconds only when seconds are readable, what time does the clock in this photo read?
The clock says 9.35
